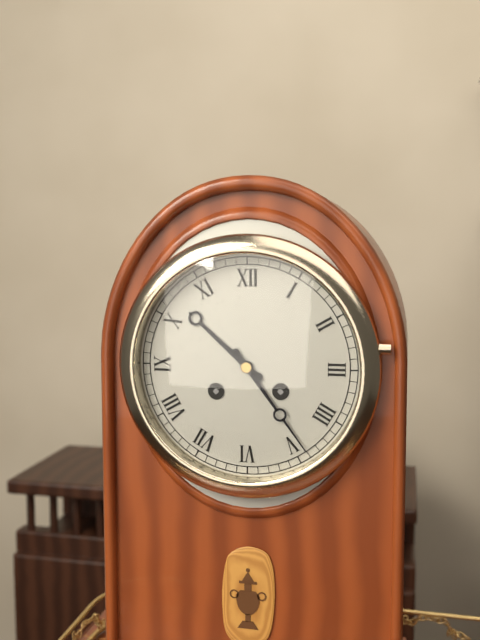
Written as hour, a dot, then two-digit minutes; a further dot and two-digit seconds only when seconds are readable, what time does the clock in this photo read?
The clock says 10.24
